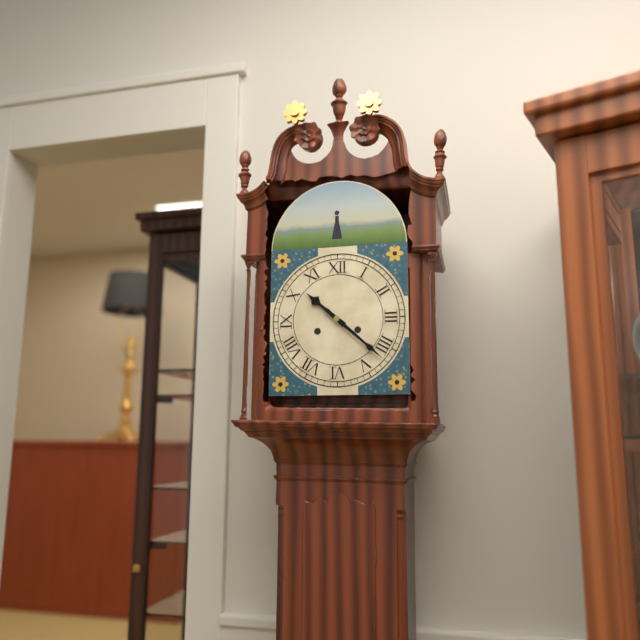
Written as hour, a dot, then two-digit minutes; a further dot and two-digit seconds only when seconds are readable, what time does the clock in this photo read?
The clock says 10.22
